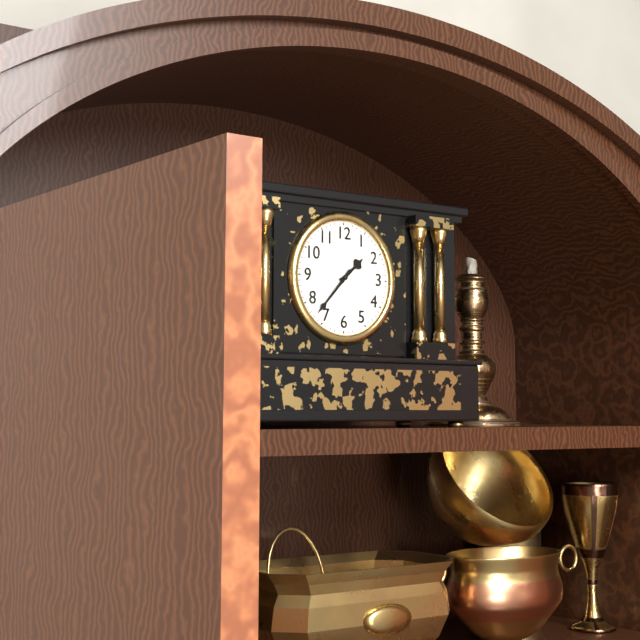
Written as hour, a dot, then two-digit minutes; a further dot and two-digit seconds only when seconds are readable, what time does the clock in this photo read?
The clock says 1.37
